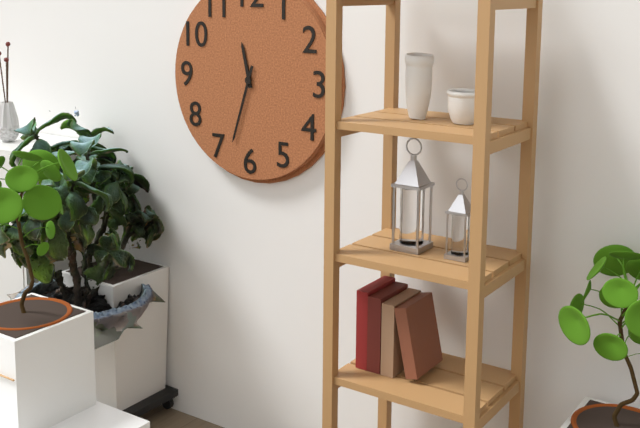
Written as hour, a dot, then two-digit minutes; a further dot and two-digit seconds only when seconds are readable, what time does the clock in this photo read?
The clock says 11.33
